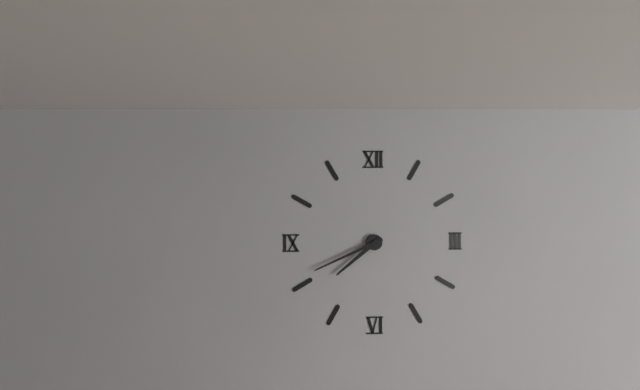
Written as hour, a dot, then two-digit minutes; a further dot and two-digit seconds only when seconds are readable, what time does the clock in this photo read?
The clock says 7.41
